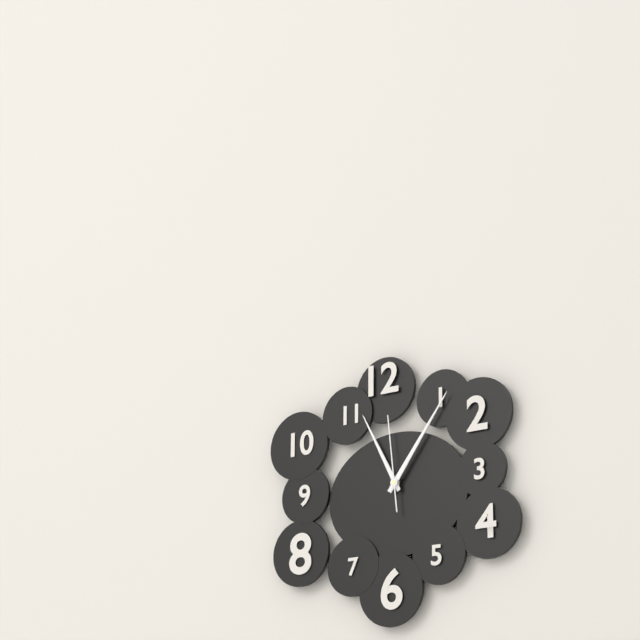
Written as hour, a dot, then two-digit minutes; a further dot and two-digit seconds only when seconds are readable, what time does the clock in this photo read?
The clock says 11.06.59
